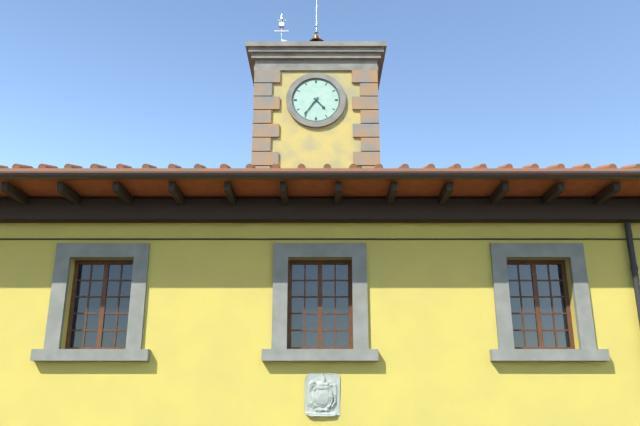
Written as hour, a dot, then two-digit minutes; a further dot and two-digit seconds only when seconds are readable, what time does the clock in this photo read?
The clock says 4.36
